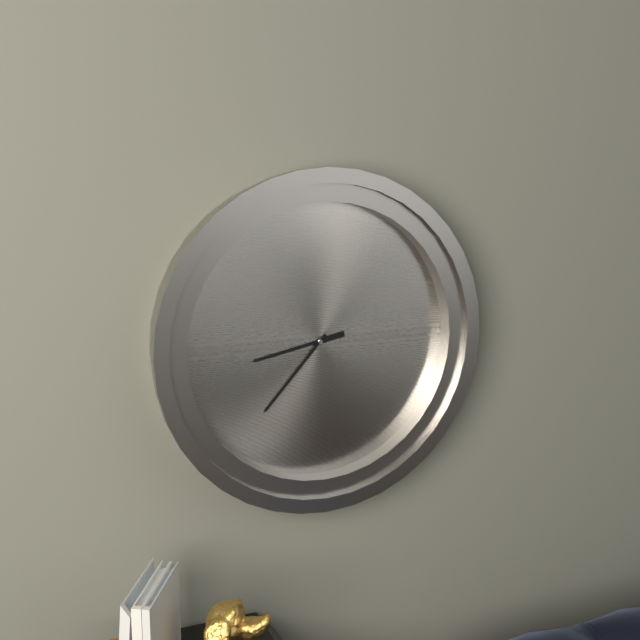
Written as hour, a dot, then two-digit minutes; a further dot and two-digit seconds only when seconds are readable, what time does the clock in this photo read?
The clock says 8.37
